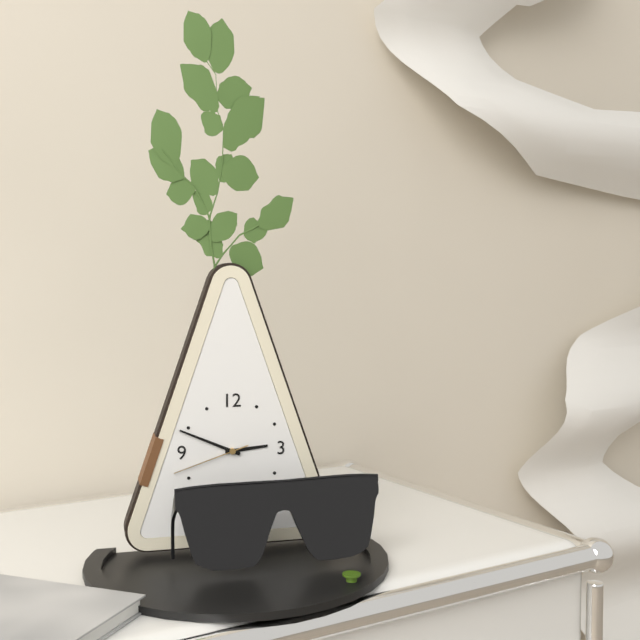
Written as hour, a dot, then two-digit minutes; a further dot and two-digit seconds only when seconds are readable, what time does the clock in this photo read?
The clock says 2.49.42
